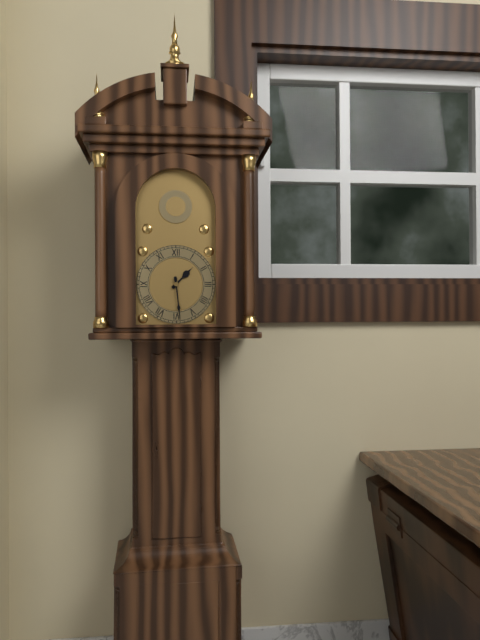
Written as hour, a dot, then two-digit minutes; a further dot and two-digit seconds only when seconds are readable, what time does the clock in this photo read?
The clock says 1.29
